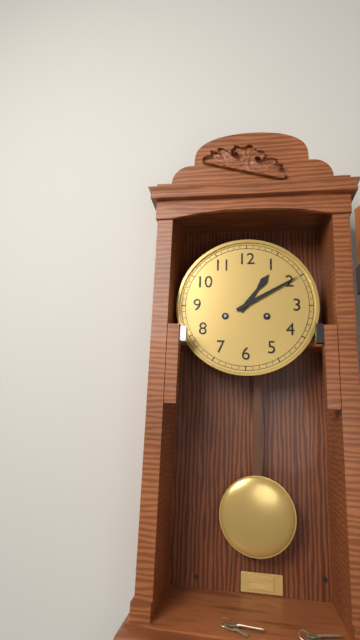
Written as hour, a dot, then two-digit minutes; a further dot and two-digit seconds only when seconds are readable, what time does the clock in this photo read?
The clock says 1.10
